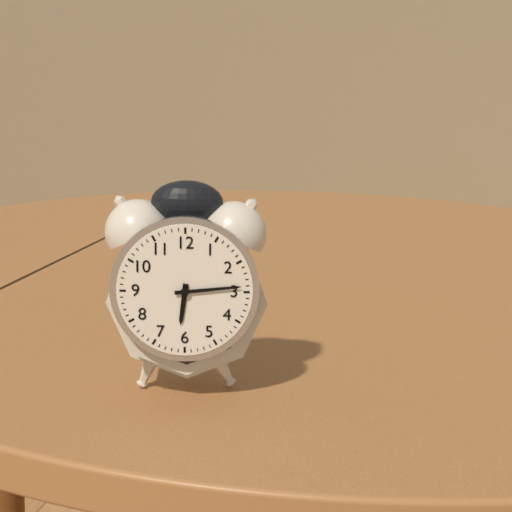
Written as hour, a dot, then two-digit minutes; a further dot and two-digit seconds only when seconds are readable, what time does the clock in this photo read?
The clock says 6.14
